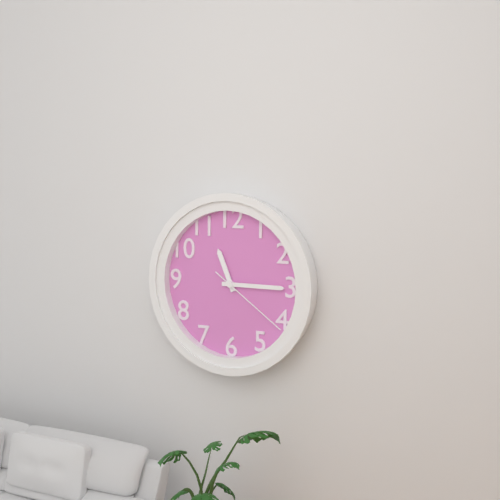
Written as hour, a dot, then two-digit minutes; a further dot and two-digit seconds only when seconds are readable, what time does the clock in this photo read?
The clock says 11.15.21
